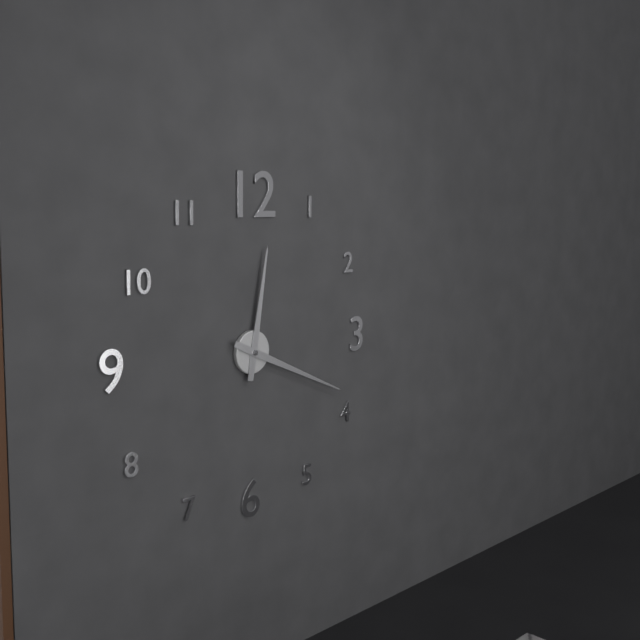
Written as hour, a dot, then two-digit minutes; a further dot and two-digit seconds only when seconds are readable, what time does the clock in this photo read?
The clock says 12.19
